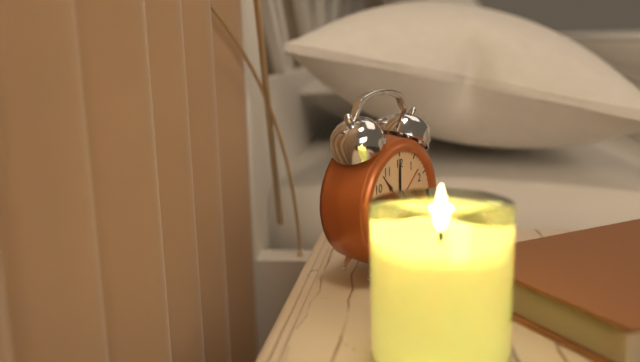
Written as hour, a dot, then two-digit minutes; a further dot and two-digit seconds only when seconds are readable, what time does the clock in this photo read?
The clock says 6.00.36
